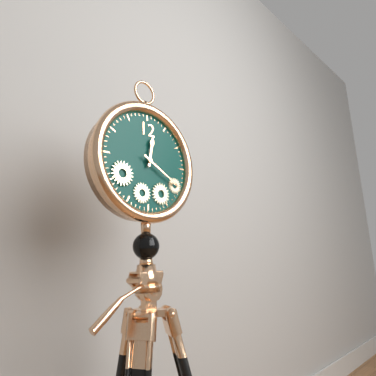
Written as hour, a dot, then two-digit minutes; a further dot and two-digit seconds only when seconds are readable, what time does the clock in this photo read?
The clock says 12.20
